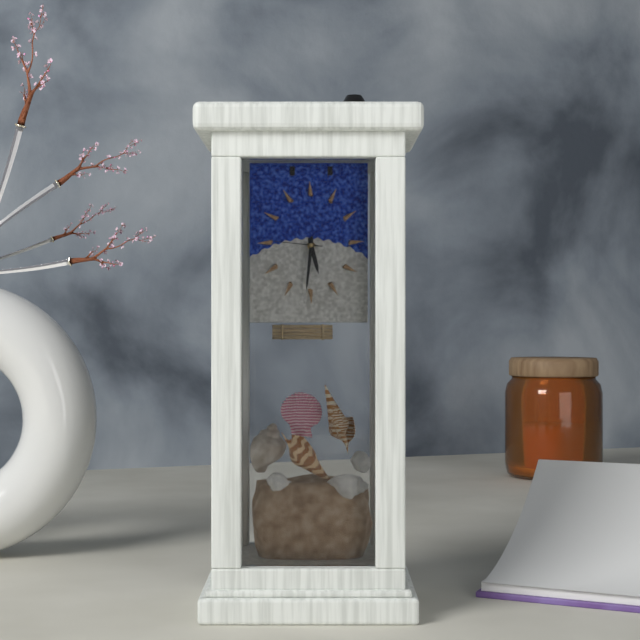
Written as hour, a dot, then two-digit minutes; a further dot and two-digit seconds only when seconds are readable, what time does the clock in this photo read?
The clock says 5.31.46
